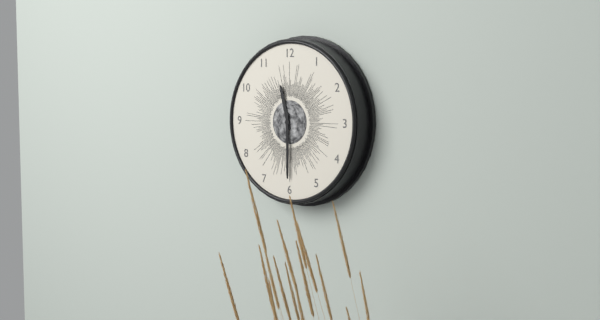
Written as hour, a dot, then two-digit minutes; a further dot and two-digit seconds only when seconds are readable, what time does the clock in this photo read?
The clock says 11.30
